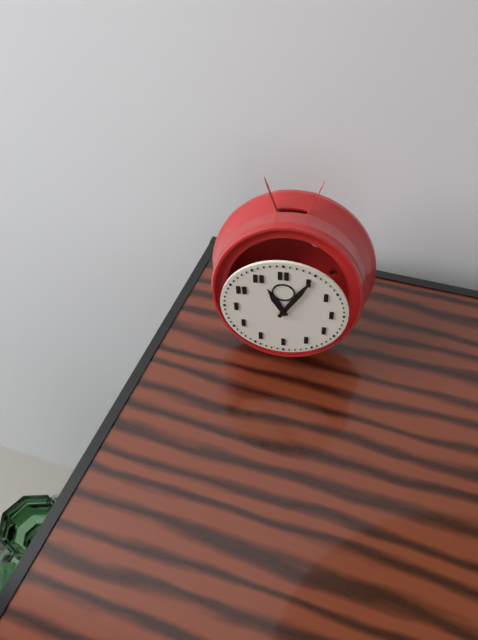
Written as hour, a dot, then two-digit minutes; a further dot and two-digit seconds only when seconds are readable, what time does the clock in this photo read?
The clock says 11.05
